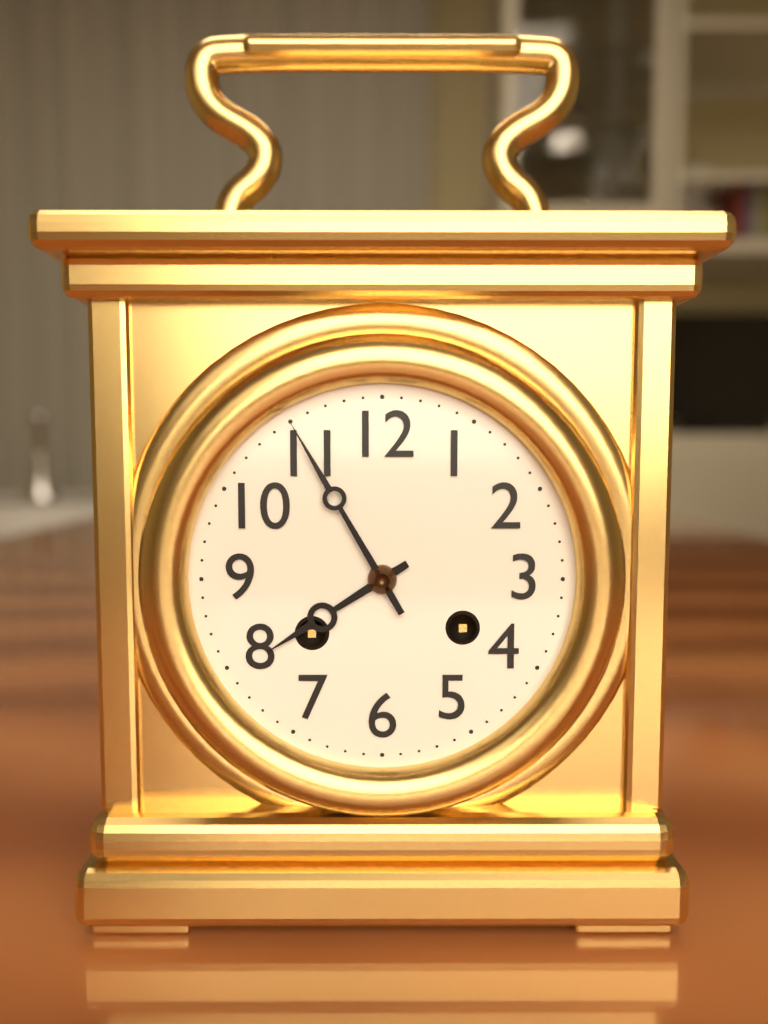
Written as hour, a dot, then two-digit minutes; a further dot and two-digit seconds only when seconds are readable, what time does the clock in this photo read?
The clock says 7.55
